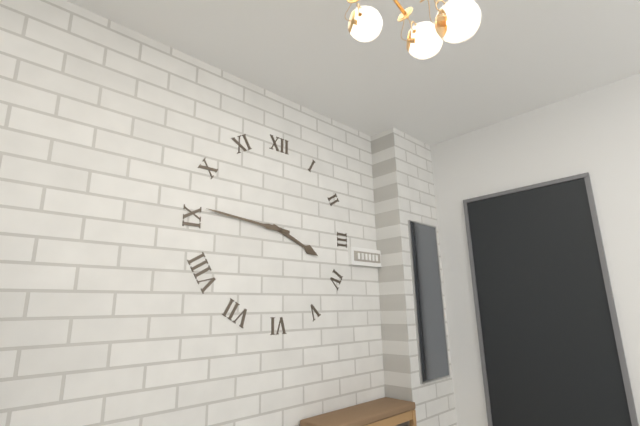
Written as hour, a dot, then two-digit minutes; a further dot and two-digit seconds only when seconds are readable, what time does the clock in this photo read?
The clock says 3.46
